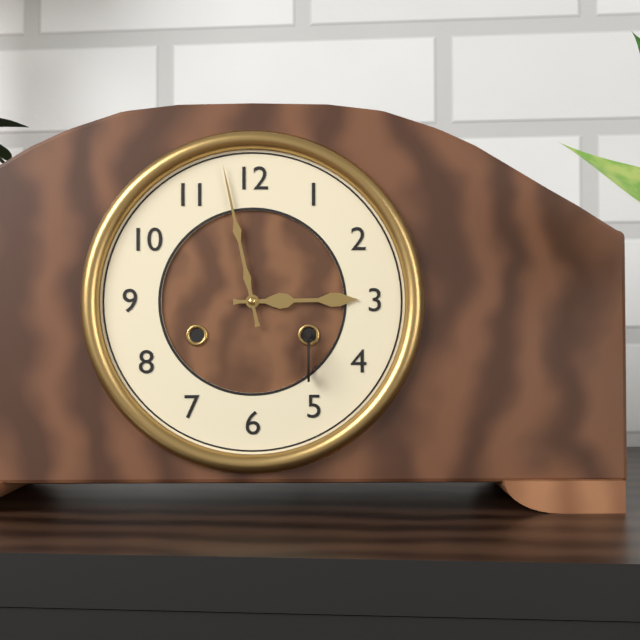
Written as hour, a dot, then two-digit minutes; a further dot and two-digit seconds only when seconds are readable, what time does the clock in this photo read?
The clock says 2.58
